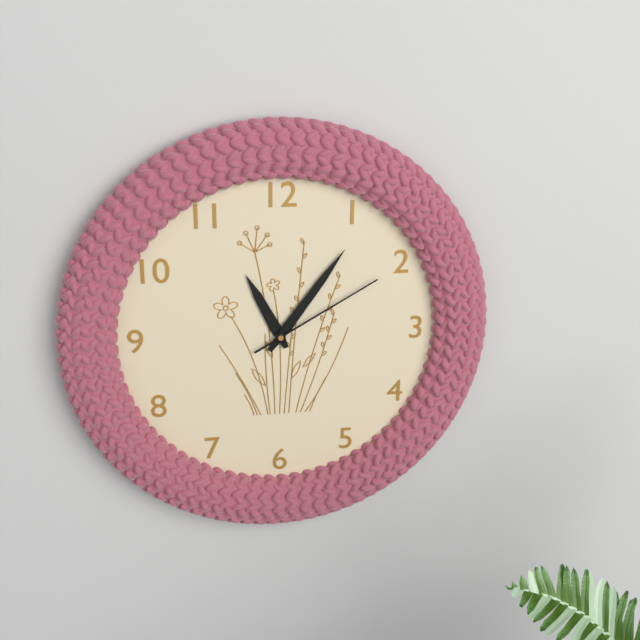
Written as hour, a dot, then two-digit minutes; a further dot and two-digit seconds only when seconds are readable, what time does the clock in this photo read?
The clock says 11.06.10
